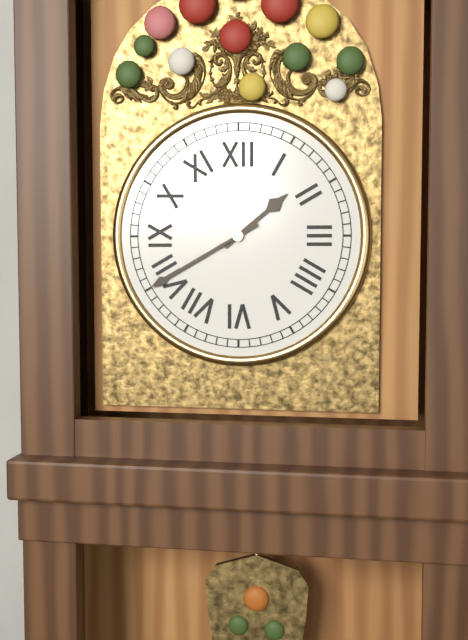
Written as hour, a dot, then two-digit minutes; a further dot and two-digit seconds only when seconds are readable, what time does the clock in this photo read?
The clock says 1.40
